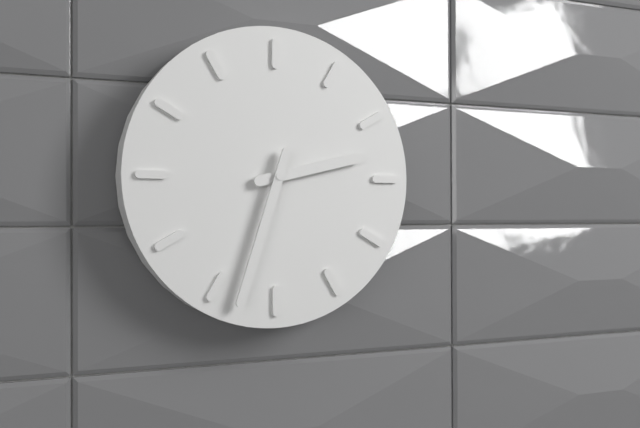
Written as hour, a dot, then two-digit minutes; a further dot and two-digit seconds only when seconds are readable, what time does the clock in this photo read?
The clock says 2.33
